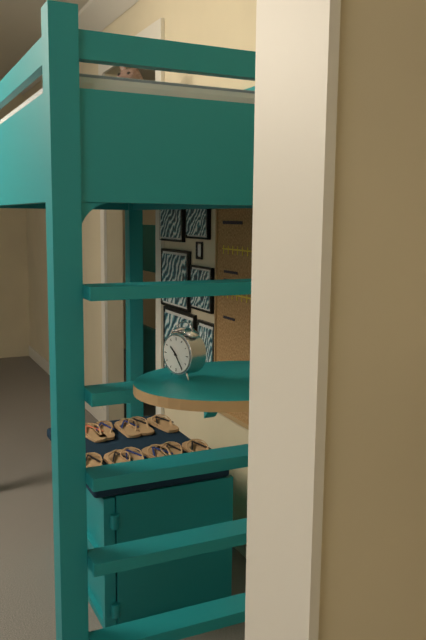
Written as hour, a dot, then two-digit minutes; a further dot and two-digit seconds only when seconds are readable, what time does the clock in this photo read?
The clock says 10.24
